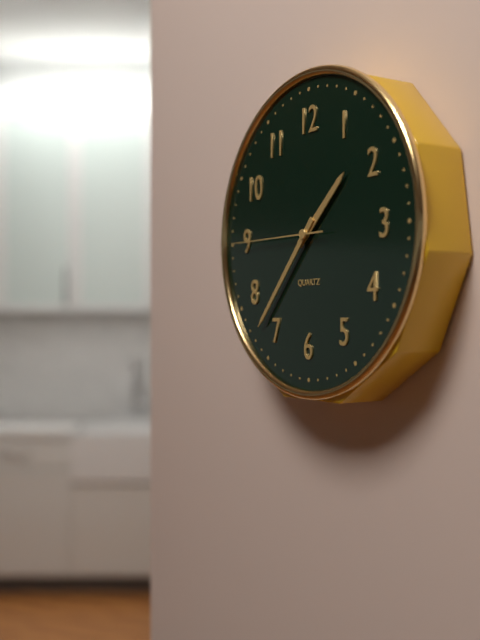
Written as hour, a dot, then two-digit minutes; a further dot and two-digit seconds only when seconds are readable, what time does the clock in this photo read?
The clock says 1.37.45
